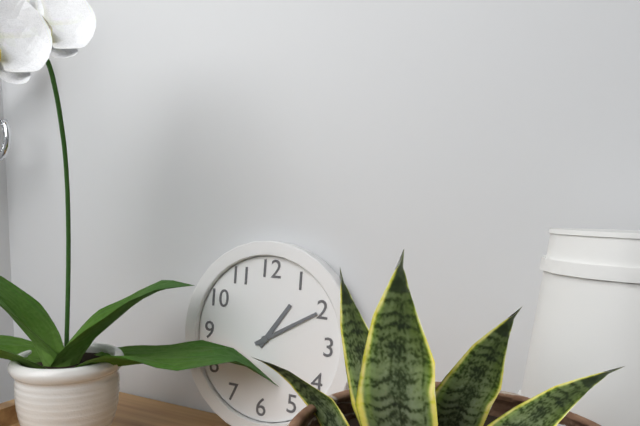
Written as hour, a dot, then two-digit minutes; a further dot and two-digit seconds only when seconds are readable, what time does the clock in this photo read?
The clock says 1.10
